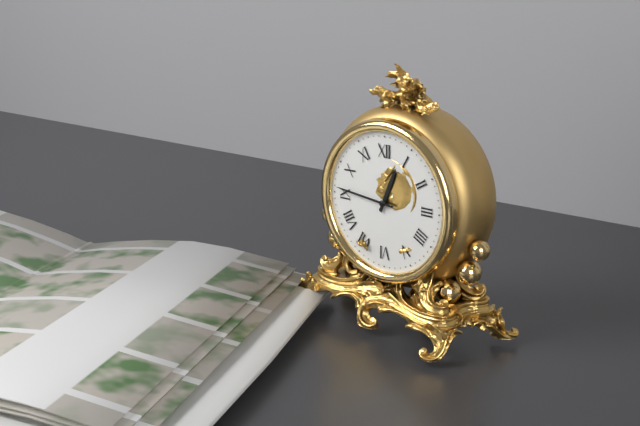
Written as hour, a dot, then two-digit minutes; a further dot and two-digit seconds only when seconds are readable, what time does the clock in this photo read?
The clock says 12.46
